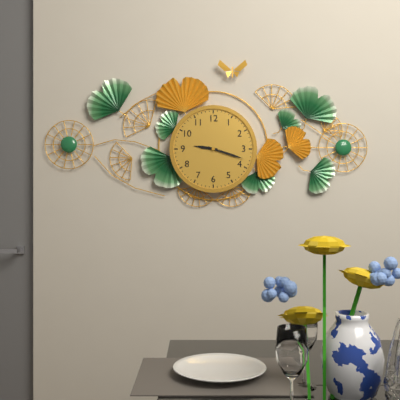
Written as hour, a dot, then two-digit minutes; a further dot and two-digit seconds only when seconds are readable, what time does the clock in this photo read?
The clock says 9.18
